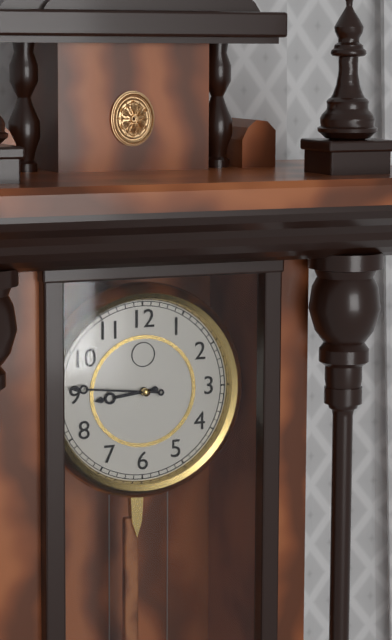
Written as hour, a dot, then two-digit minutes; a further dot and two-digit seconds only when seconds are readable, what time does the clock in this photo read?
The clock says 8.46
